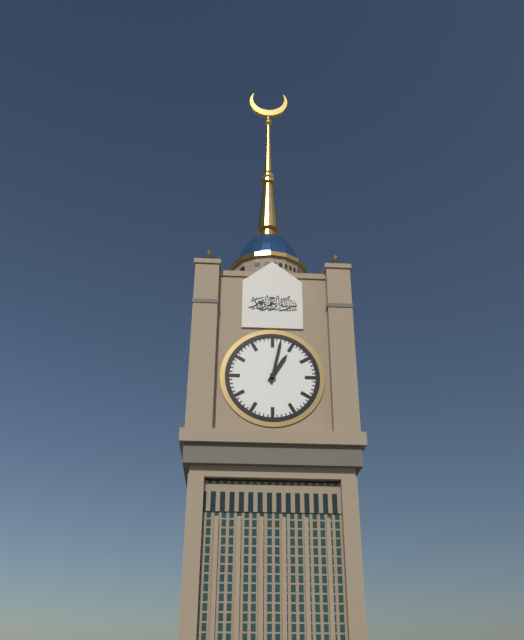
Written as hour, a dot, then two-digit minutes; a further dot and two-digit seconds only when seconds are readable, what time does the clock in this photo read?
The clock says 1.02
